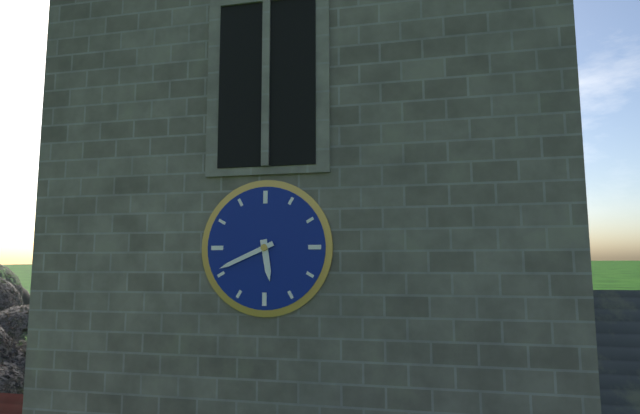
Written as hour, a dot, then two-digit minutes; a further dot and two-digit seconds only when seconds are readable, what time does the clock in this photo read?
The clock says 5.41
